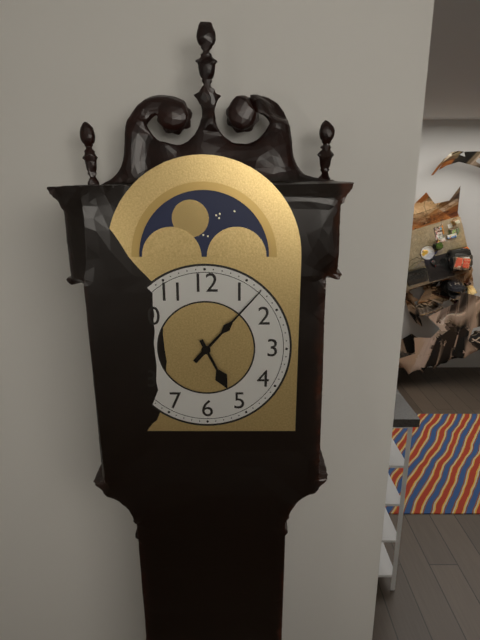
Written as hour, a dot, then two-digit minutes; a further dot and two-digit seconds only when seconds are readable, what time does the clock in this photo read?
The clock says 5.07
